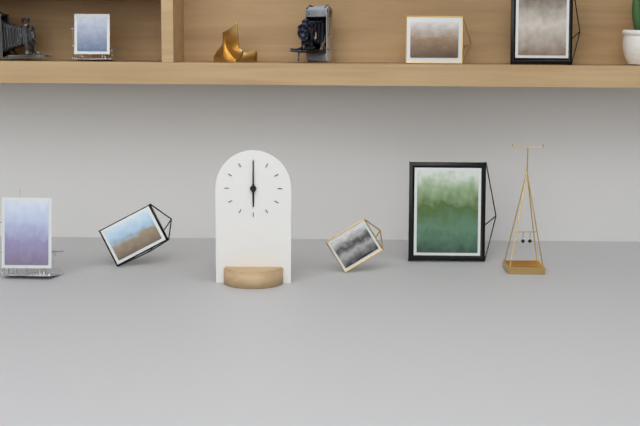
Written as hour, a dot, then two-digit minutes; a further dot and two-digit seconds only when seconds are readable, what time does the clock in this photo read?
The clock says 6.00
